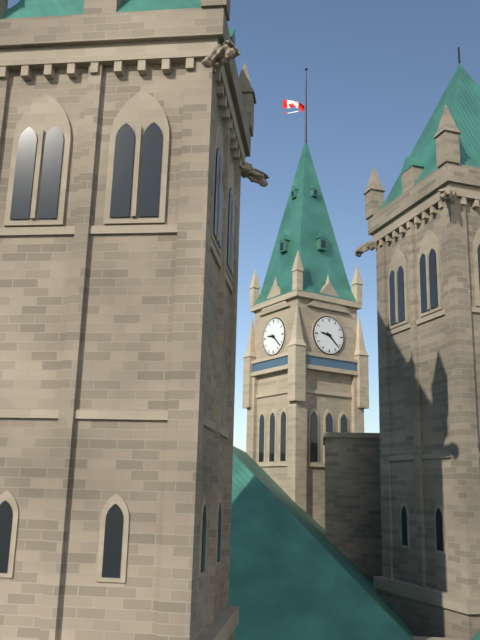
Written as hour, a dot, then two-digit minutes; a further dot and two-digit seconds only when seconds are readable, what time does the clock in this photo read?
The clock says 9.22
